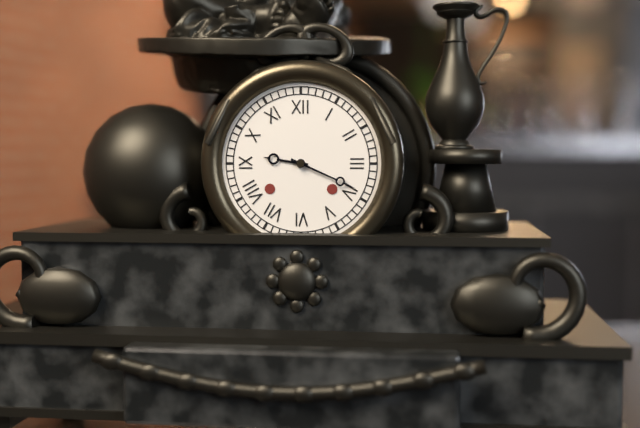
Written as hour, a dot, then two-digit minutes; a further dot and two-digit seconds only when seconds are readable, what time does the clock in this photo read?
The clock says 9.19
